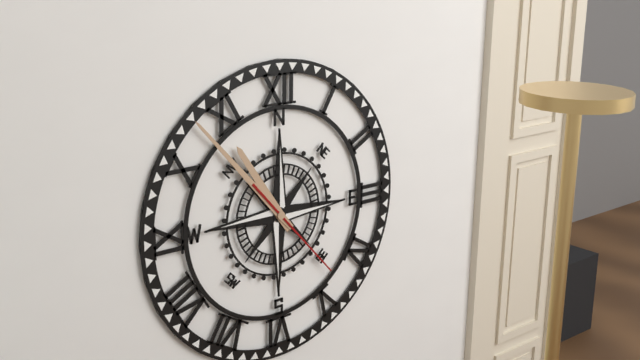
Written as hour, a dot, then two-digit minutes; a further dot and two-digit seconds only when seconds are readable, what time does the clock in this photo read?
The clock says 10.53.23
